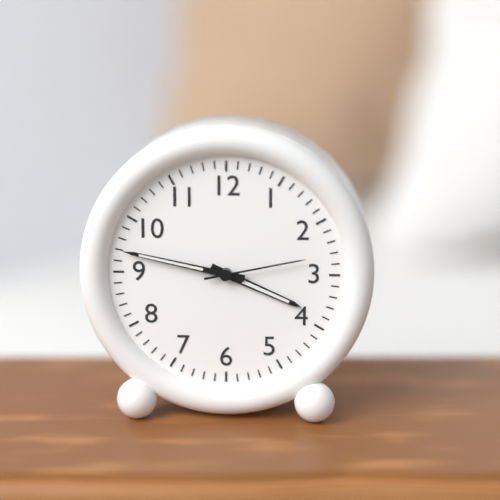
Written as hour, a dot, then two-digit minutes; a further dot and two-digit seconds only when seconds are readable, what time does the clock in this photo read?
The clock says 3.47.13
